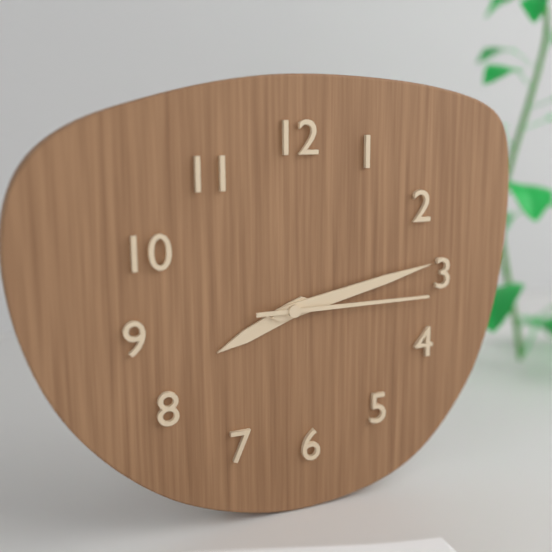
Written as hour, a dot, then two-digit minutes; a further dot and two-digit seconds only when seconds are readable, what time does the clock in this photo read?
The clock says 8.13.15
